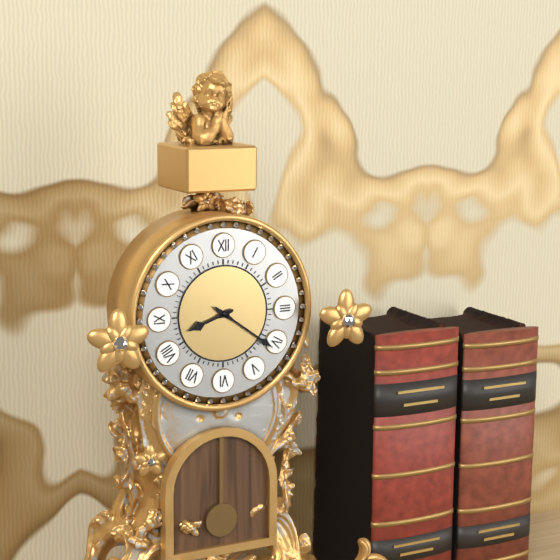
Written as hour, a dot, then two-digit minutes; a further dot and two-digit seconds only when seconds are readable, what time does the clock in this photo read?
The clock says 8.21
